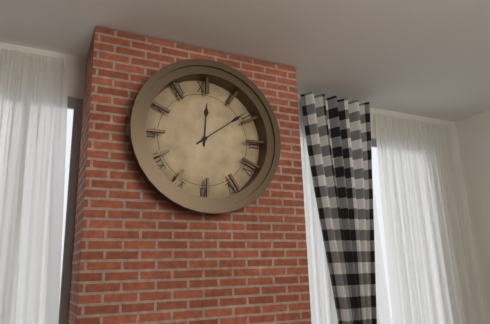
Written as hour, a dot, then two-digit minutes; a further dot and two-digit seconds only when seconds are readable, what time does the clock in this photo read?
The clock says 12.09
